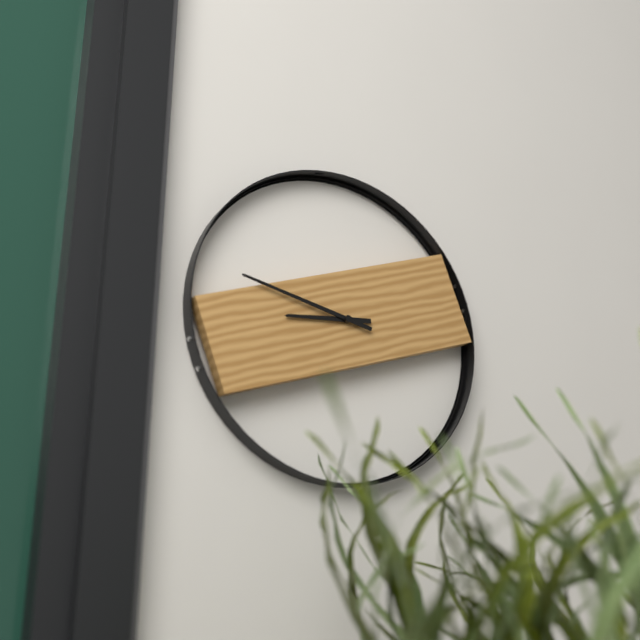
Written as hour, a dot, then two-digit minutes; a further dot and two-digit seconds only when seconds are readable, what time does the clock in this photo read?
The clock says 8.47
